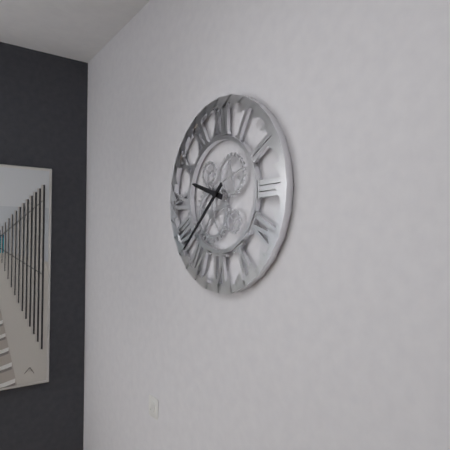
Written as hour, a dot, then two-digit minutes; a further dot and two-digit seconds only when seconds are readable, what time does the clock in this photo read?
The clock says 9.38
